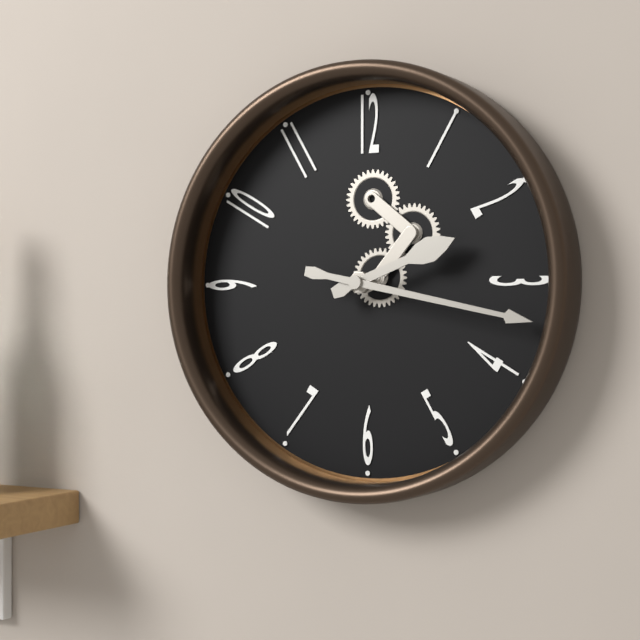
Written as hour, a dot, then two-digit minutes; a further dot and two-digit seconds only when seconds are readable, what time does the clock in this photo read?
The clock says 2.17
